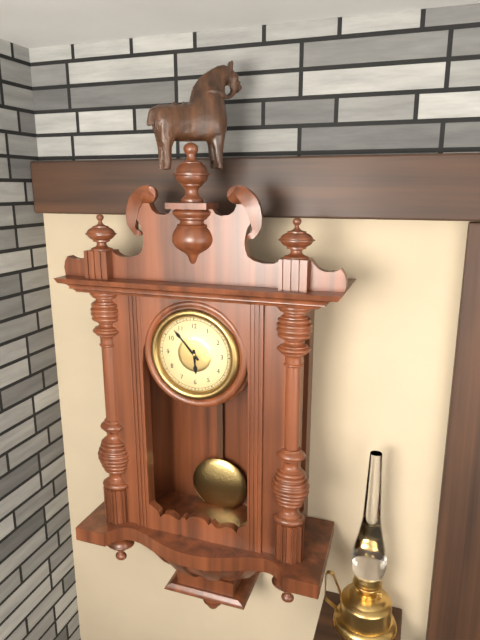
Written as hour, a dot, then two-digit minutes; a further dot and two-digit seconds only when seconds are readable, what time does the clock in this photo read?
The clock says 5.53
